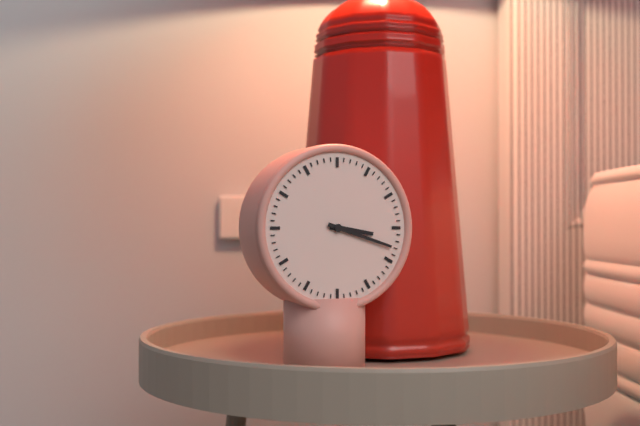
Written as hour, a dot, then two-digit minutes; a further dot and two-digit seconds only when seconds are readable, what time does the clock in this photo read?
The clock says 3.18
